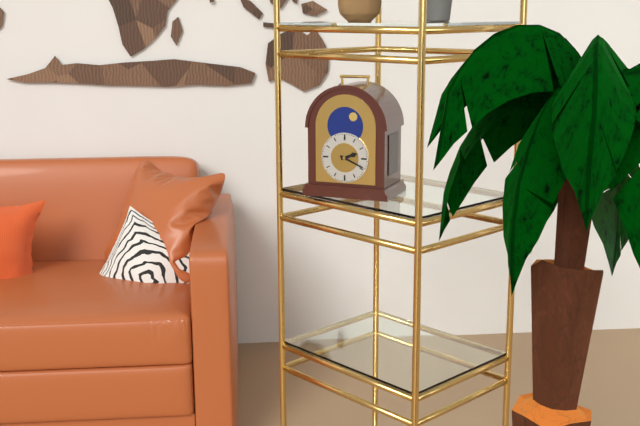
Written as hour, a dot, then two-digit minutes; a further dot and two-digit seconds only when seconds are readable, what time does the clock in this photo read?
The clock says 2.19
